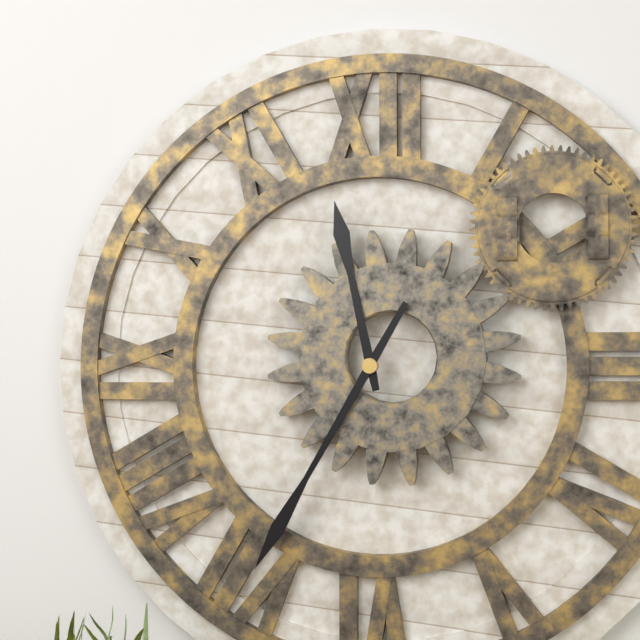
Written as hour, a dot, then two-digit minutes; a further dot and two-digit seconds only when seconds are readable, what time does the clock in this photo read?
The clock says 11.35
